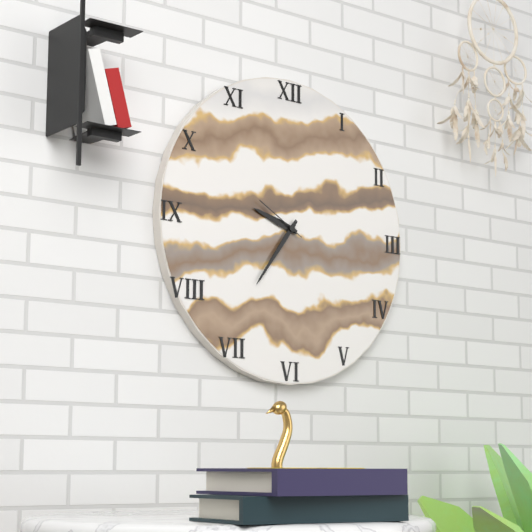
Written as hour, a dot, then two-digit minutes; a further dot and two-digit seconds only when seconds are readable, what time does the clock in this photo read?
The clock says 9.36
